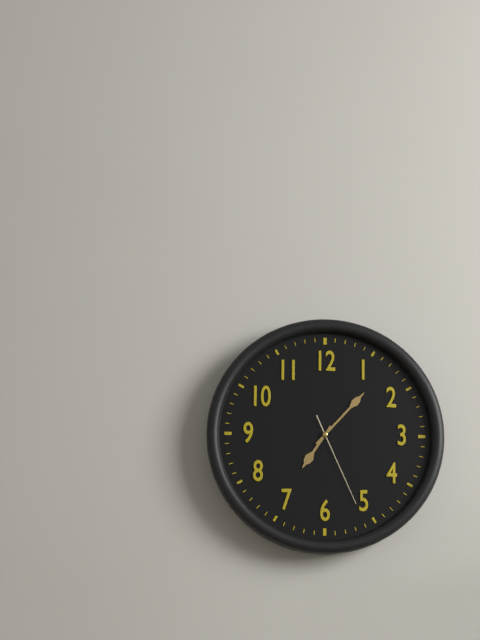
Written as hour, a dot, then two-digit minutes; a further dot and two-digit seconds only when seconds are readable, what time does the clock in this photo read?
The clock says 7.07.26
